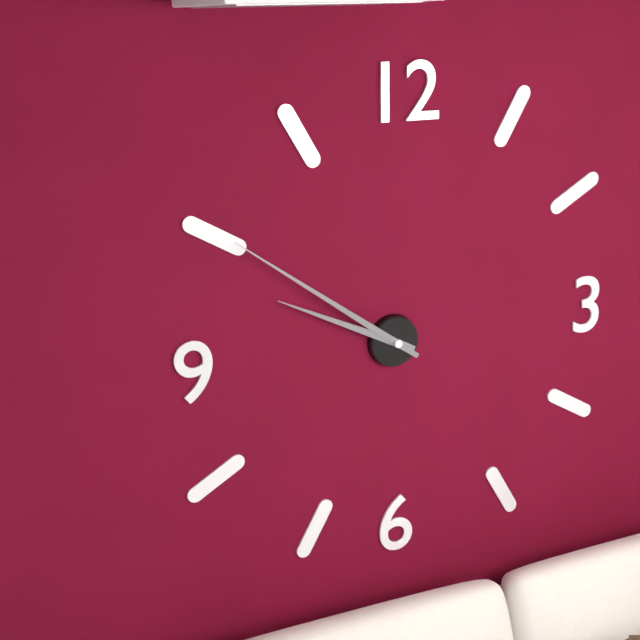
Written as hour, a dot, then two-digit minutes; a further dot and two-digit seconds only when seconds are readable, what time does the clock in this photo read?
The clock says 9.51
